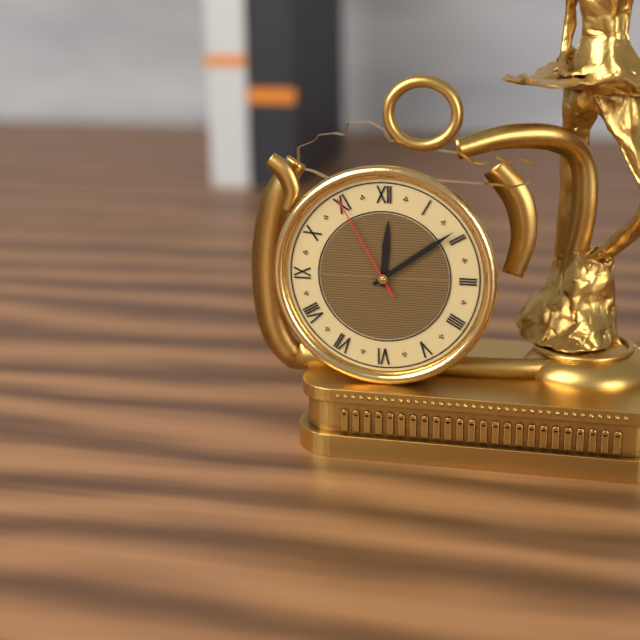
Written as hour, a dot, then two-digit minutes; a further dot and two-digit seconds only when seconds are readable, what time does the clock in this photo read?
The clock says 12.09.55
